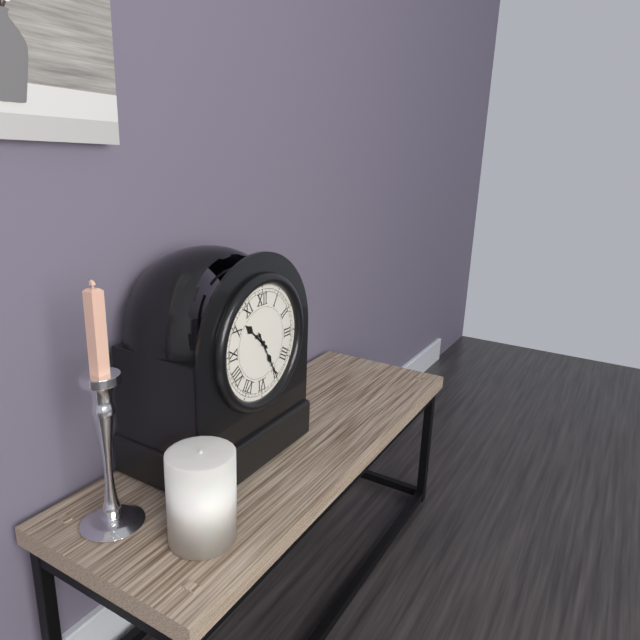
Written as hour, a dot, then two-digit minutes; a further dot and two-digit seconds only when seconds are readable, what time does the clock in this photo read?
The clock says 10.25
